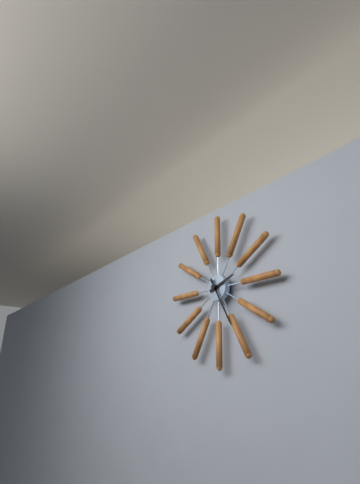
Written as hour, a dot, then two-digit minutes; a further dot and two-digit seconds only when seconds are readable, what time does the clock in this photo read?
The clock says 2.25
